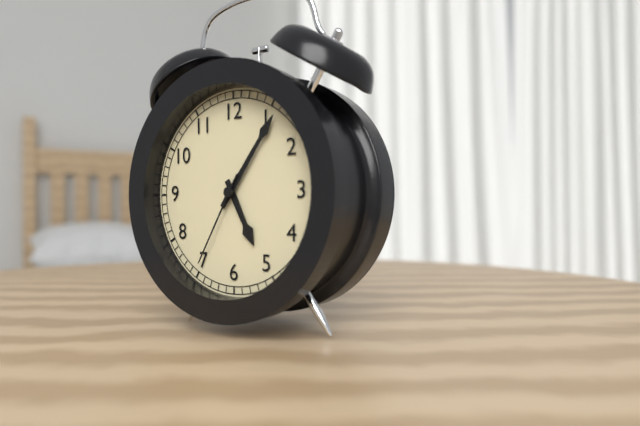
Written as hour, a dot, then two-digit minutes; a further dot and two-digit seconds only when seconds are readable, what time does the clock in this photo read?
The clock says 5.06.35
